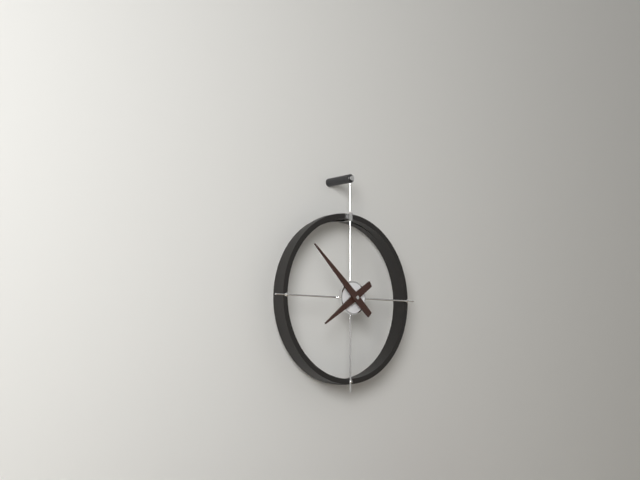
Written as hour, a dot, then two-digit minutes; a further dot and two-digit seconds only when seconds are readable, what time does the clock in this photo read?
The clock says 7.52
